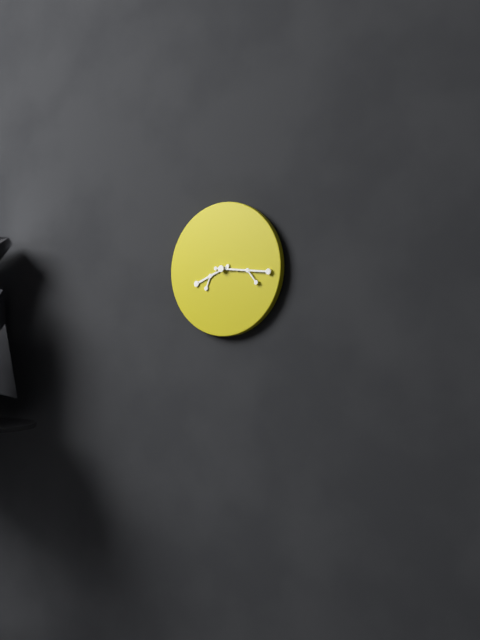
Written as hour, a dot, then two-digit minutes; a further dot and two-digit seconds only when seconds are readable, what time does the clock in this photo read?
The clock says 8.16
